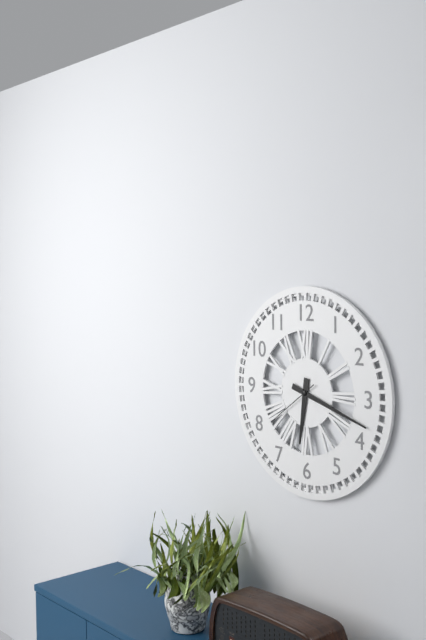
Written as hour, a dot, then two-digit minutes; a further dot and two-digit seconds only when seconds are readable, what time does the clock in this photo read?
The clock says 6.18.39
